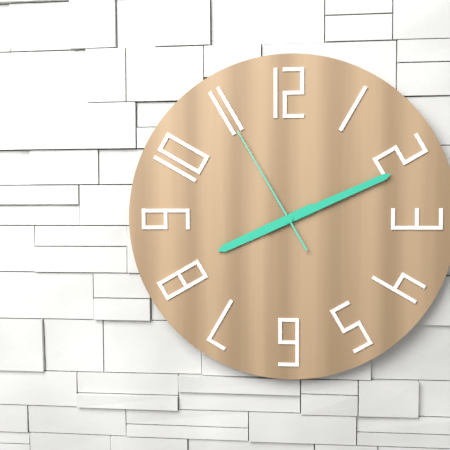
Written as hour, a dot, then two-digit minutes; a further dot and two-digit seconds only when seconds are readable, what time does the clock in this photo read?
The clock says 8.11.55
